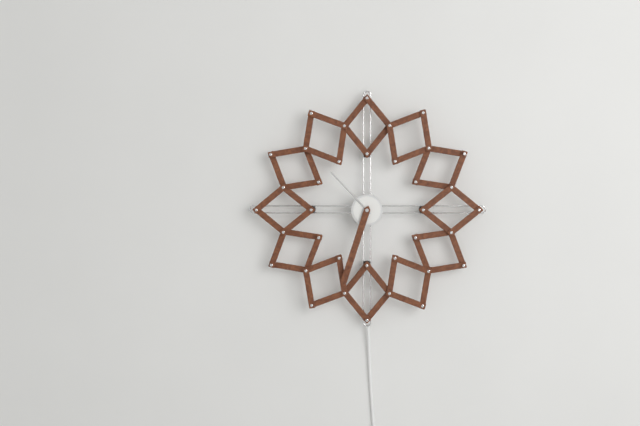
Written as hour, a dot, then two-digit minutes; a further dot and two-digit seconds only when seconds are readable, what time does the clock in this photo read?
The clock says 10.33
